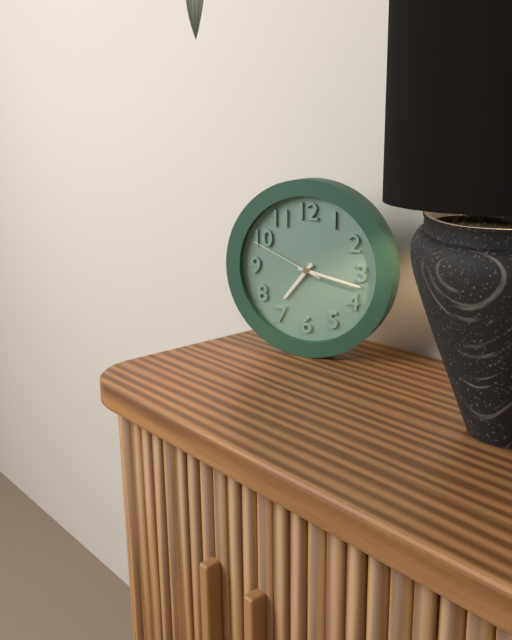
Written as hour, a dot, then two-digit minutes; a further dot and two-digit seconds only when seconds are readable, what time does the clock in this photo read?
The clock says 7.17.49
